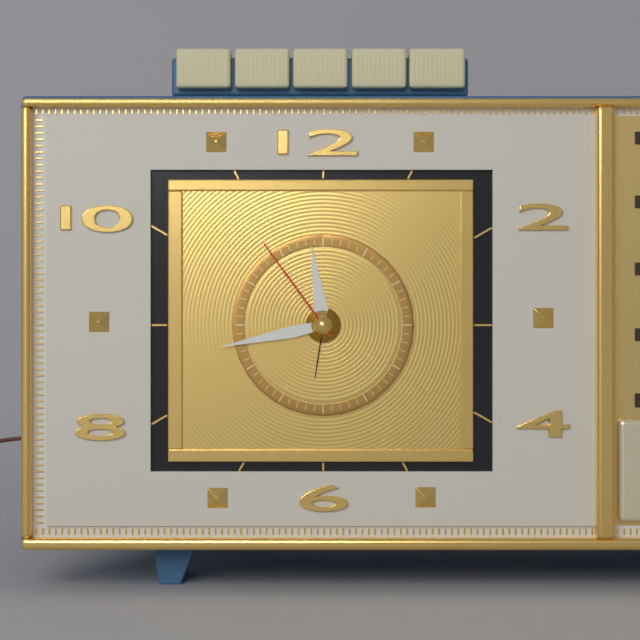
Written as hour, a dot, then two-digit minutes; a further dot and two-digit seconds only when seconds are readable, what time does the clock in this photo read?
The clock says 11.43.54
